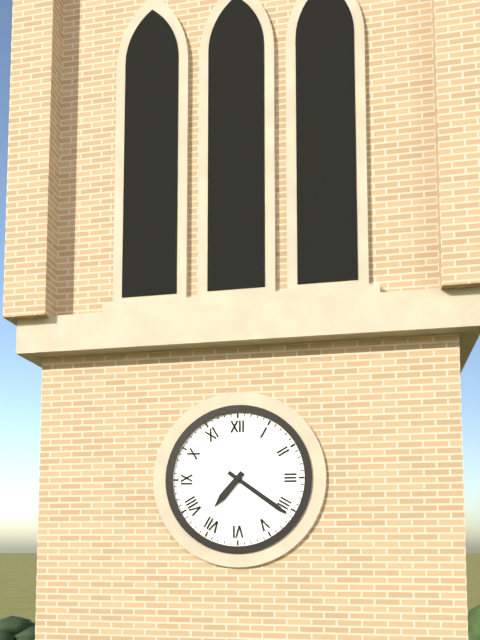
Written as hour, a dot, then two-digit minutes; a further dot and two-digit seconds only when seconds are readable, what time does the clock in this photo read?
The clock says 7.21
